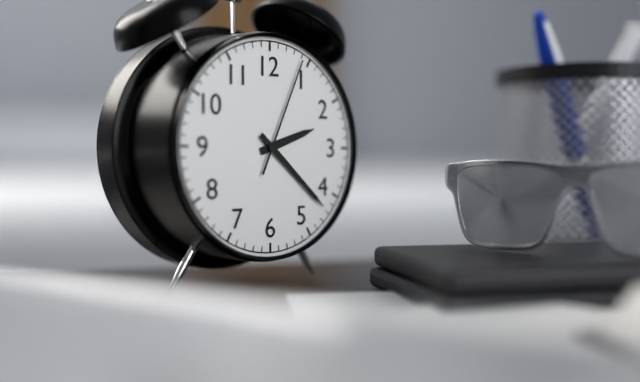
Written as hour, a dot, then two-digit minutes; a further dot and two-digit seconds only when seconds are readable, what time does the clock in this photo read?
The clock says 2.22.04
